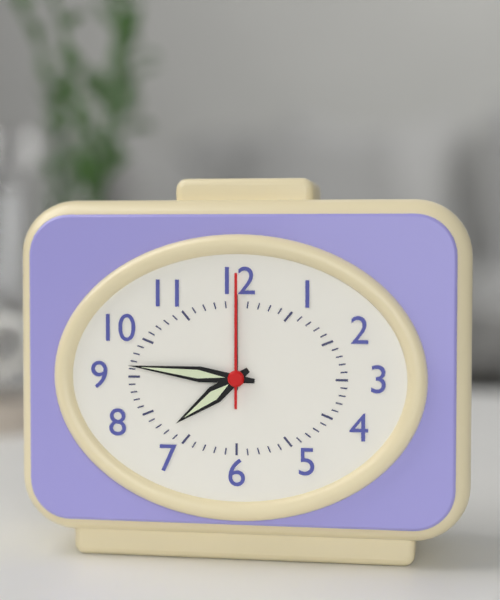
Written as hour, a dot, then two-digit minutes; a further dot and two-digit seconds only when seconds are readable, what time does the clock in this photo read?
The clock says 7.46.00
